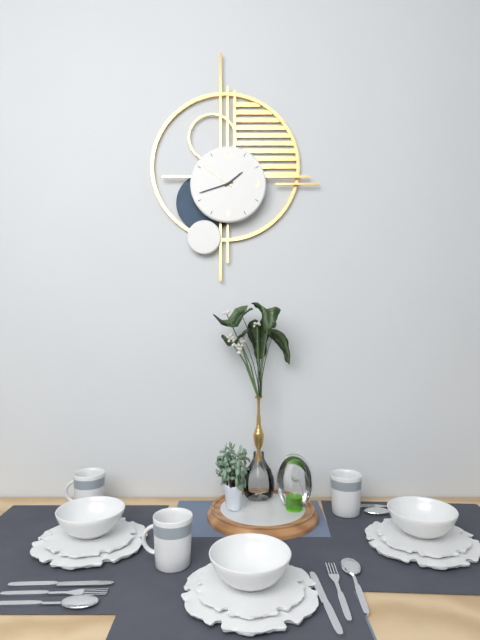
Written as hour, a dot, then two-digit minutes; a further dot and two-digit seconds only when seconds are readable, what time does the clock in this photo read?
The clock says 1.42
